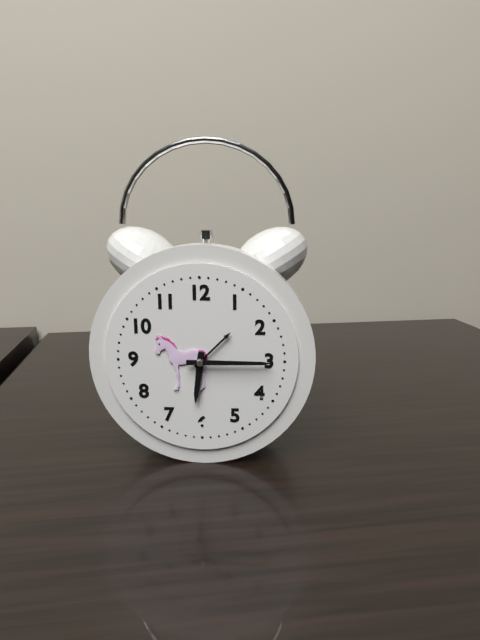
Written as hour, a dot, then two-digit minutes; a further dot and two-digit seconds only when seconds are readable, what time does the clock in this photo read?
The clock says 6.15
